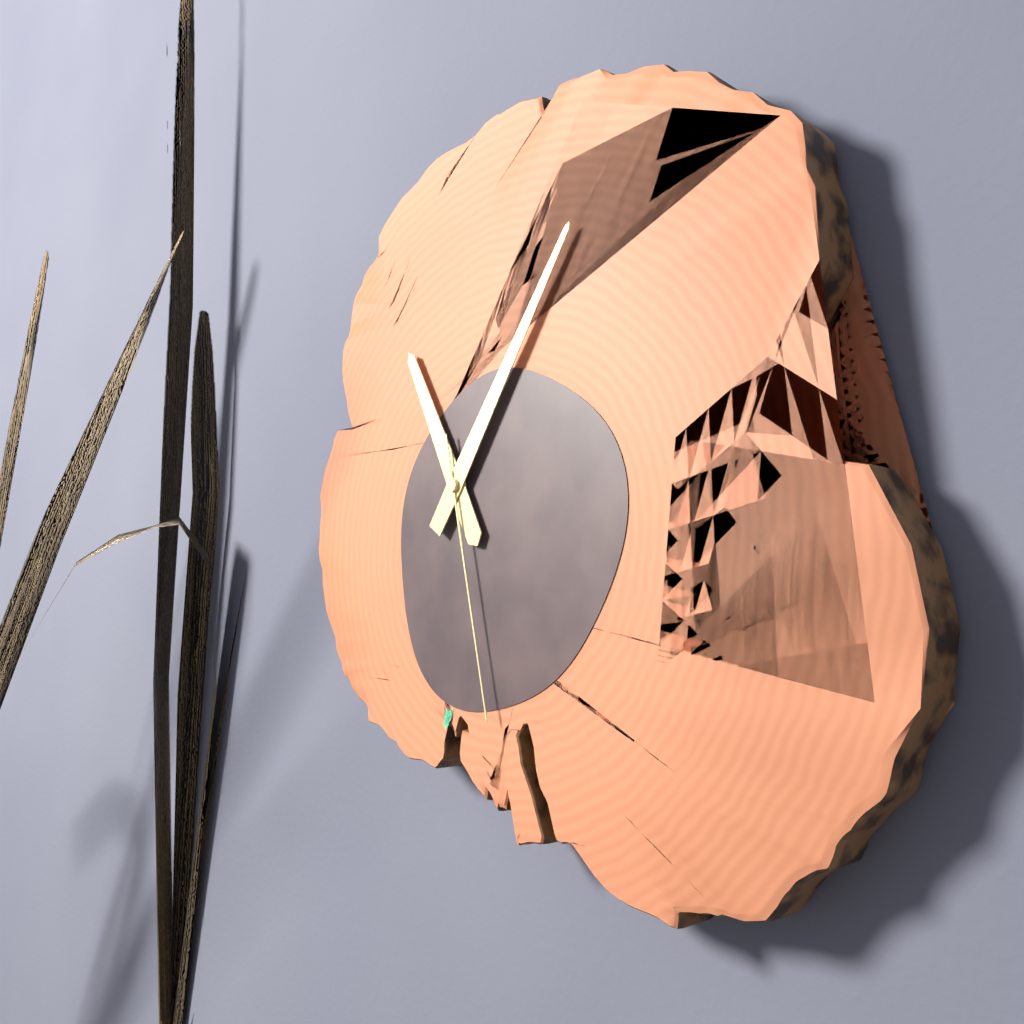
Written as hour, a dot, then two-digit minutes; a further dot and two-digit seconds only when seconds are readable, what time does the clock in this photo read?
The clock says 11.06.28
